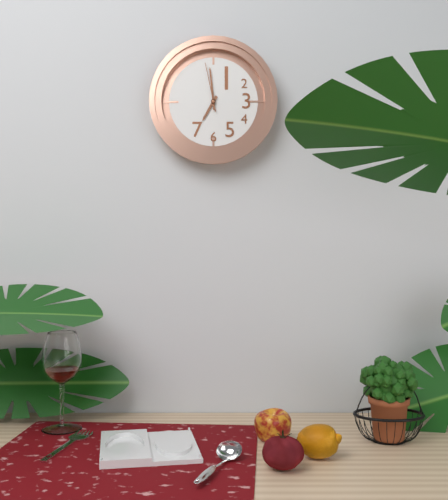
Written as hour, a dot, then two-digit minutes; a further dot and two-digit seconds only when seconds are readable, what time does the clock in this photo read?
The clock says 6.59
